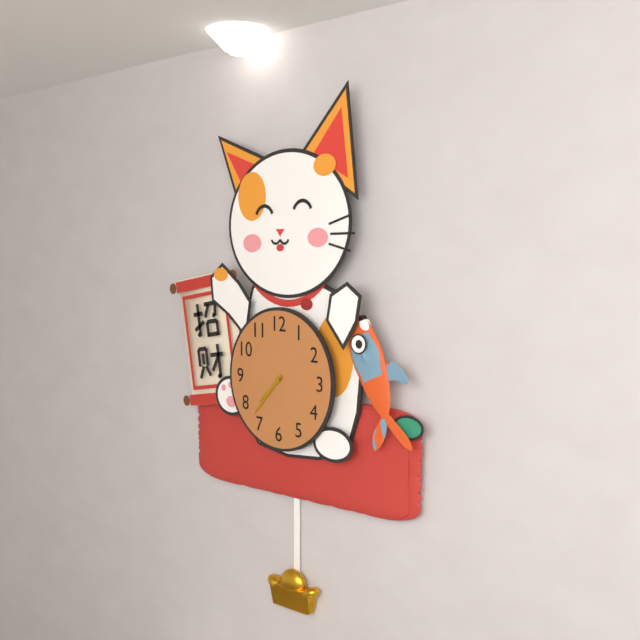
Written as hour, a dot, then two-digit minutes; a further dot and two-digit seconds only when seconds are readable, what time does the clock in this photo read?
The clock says 7.37
